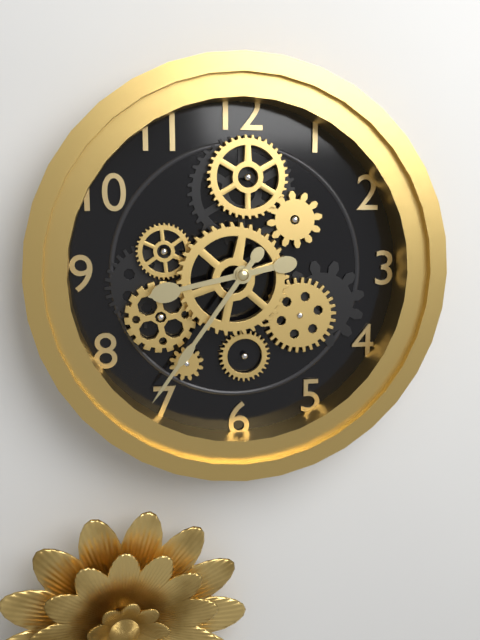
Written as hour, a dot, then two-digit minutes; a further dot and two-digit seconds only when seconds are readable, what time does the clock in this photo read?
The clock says 8.36
